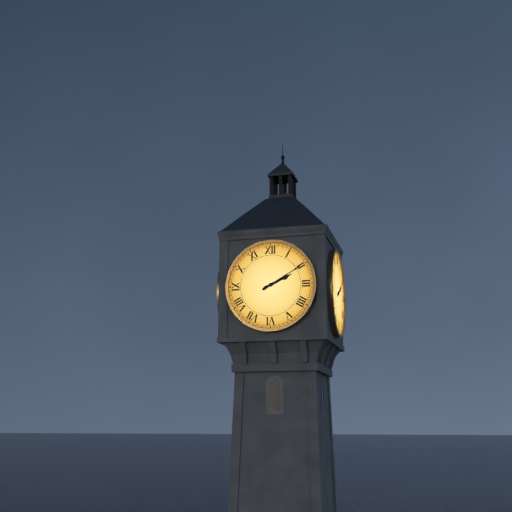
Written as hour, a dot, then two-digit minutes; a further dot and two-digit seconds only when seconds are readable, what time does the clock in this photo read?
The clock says 2.10
